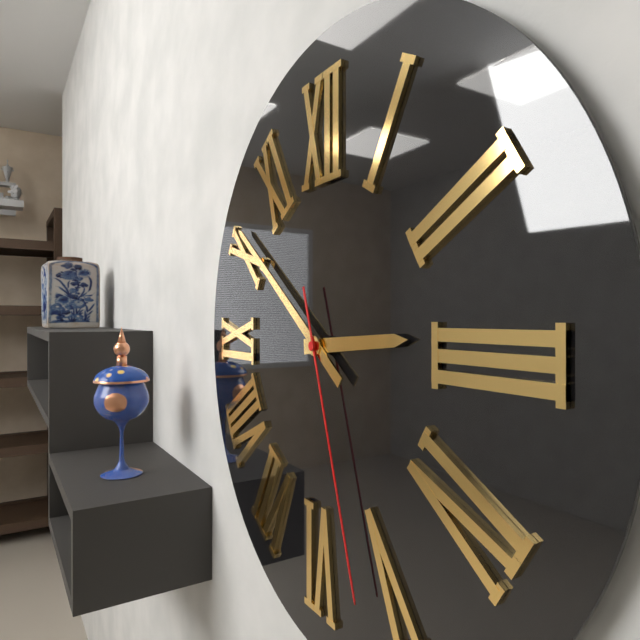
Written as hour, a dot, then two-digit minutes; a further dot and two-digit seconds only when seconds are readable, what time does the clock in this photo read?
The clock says 2.51.27
